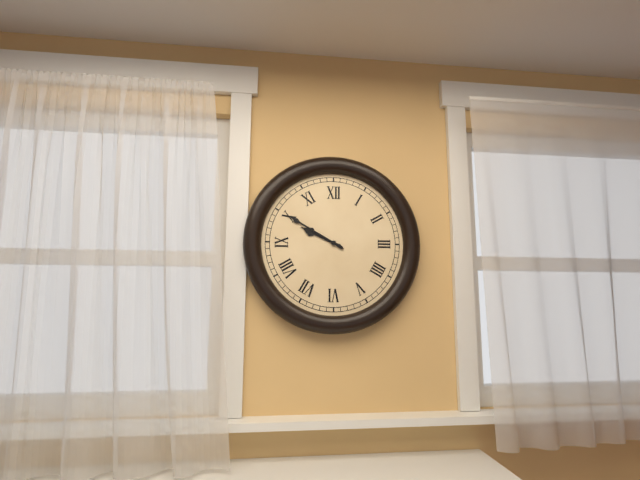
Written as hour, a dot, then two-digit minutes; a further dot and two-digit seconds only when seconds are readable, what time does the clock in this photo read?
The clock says 9.50
